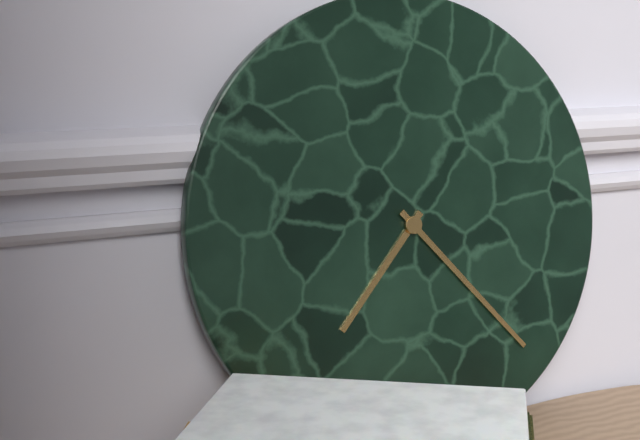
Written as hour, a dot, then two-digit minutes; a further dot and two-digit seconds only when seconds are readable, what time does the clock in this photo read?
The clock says 7.23
